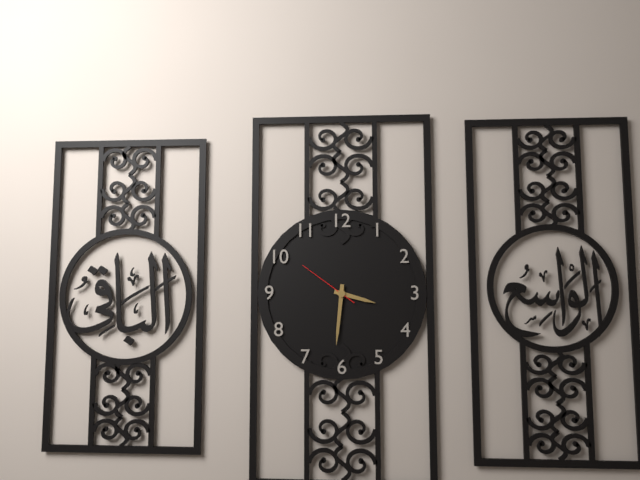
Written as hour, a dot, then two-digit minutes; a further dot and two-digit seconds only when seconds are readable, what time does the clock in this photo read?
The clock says 3.31.51
